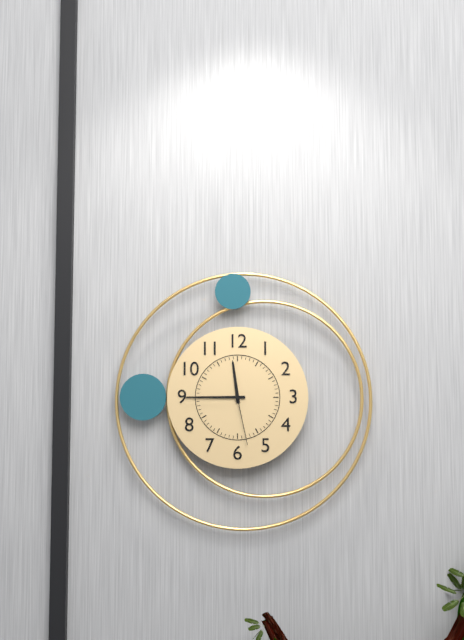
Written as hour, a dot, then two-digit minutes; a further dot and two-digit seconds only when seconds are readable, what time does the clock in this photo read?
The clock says 11.45.28
